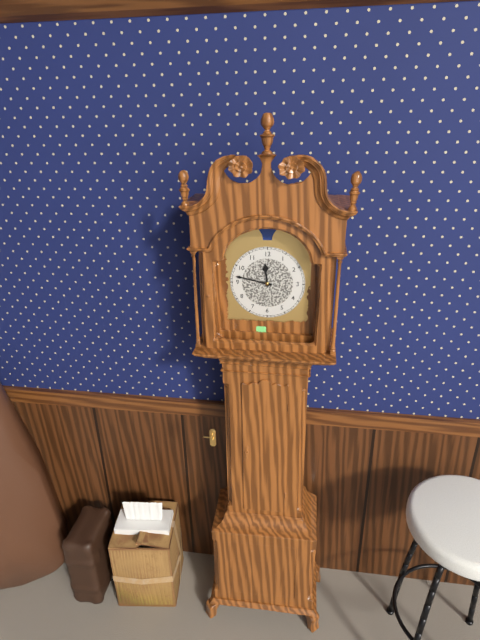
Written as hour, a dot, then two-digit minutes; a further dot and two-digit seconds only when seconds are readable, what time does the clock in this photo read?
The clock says 11.47
